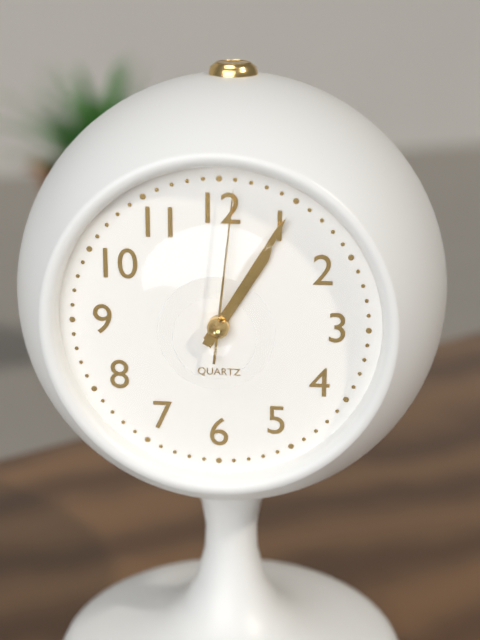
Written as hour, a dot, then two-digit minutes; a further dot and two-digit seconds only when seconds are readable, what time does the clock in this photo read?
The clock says 1.05.01
